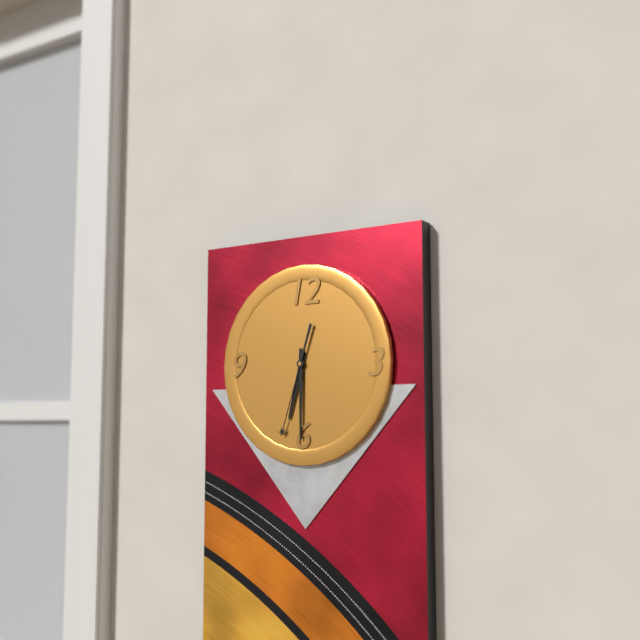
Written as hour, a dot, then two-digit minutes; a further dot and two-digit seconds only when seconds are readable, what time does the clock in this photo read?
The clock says 6.30.33
